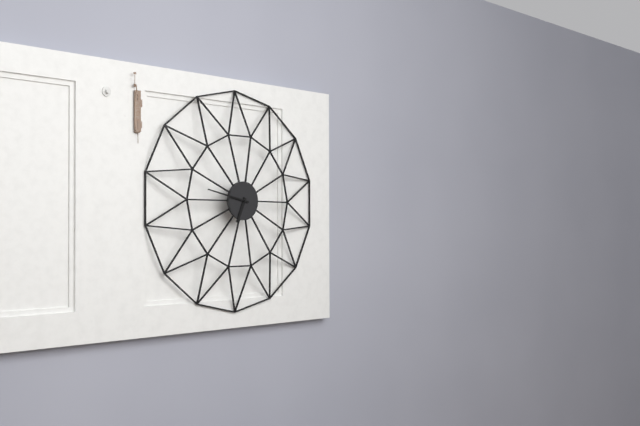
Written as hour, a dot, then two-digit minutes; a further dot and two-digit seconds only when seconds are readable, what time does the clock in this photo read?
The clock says 6.47
